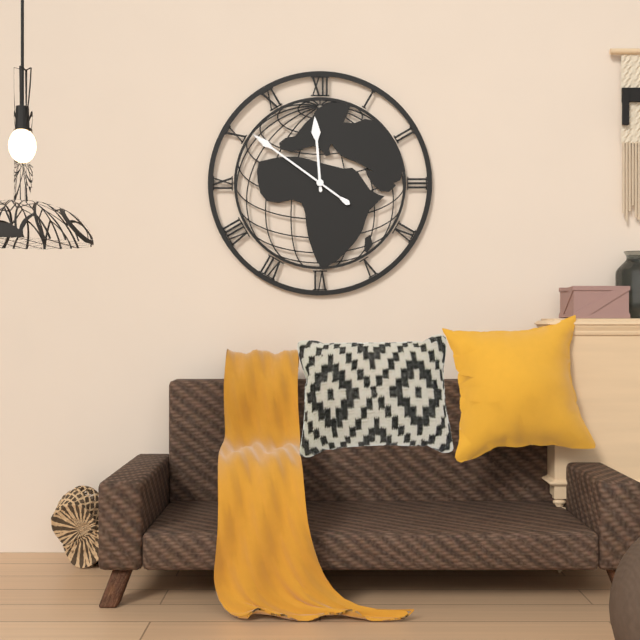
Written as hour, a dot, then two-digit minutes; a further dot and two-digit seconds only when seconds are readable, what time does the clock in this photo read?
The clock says 11.51
